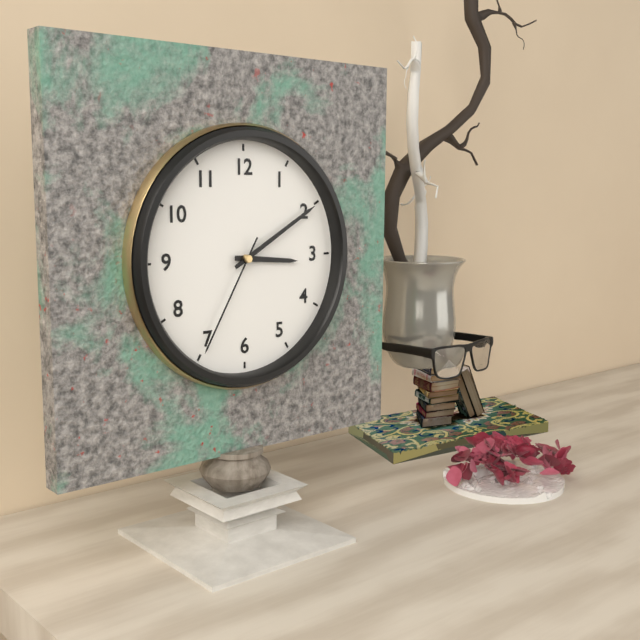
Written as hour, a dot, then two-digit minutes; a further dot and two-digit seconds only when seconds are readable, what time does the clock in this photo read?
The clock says 3.10.35
